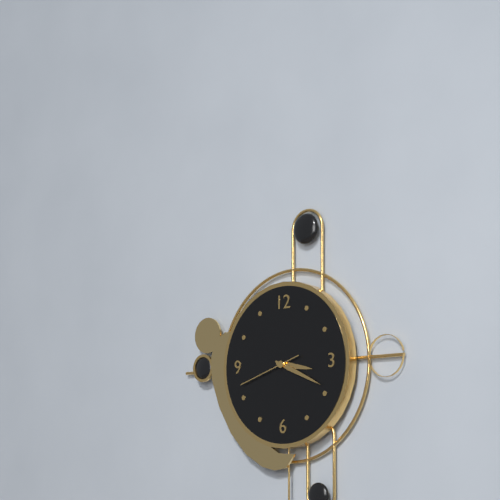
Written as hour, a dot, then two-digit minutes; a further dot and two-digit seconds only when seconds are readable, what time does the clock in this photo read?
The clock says 3.19.42
